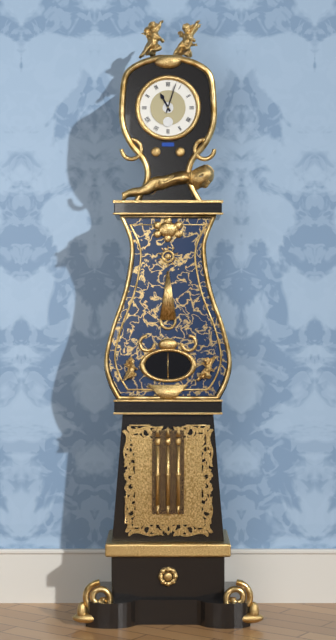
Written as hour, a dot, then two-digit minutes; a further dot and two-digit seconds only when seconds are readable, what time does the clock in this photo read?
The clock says 11.03
